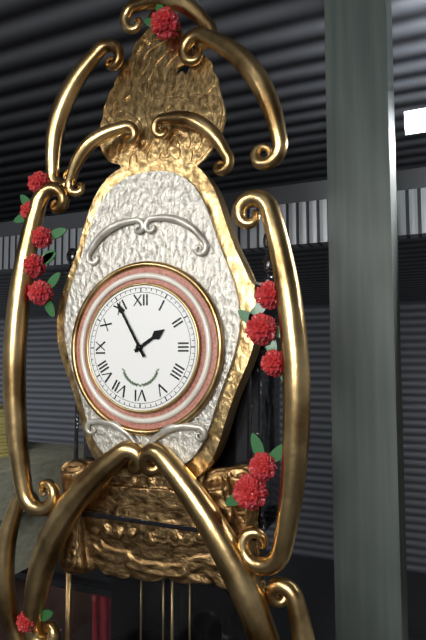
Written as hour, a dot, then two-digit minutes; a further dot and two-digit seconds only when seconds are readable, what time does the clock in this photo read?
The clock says 1.55
